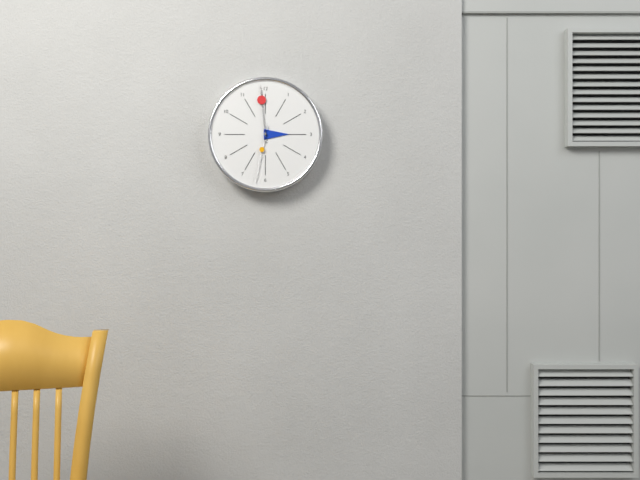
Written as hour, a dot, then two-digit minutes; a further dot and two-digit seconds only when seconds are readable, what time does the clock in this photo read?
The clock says 2.59.32
